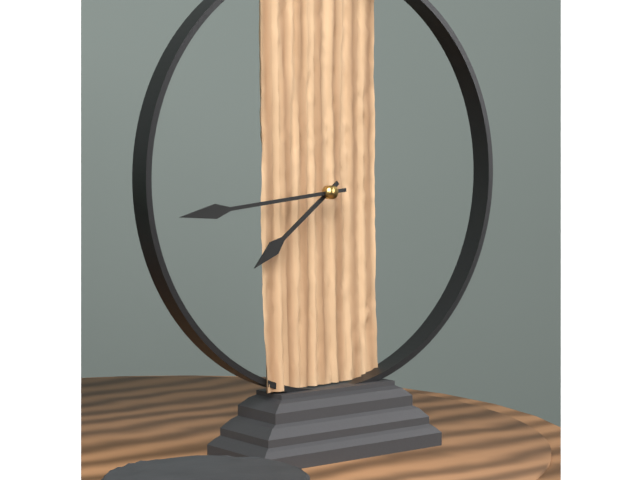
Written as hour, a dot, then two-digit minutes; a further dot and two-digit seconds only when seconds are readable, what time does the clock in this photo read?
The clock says 7.44
